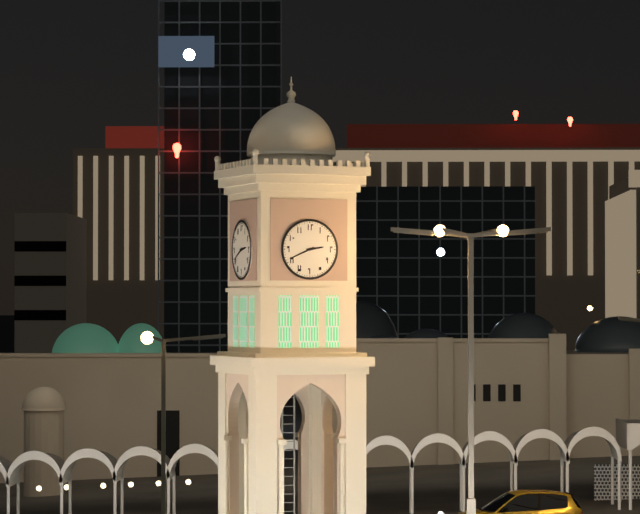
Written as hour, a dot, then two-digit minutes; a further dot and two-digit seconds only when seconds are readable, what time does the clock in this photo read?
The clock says 2.41
